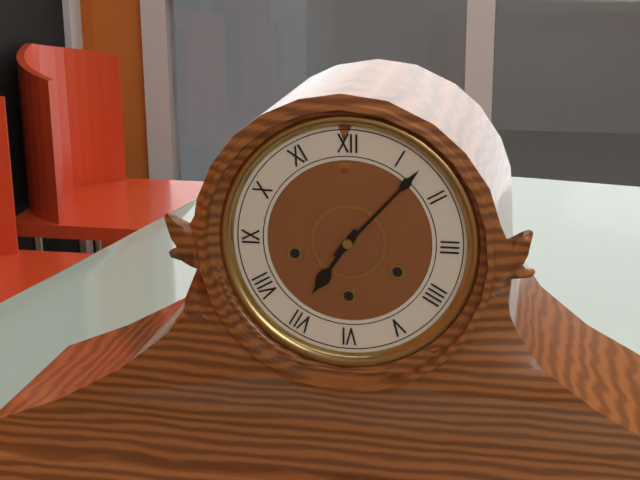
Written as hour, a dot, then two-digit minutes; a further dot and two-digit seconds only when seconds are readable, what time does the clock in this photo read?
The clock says 7.07
